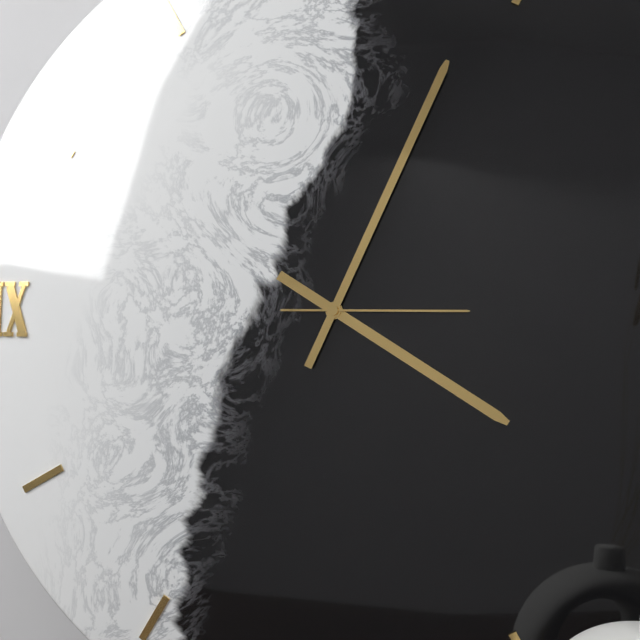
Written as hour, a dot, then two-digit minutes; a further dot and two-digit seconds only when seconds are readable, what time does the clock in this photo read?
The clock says 4.04.15
